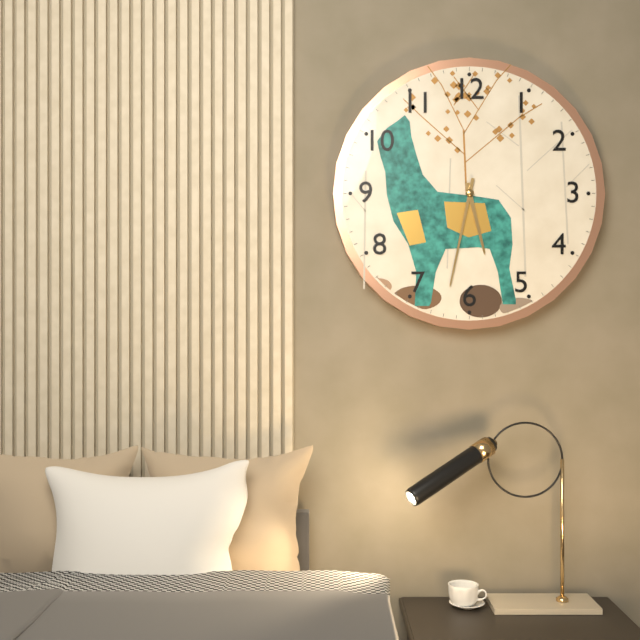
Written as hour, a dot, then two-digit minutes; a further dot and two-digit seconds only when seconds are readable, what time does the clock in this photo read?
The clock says 5.32
